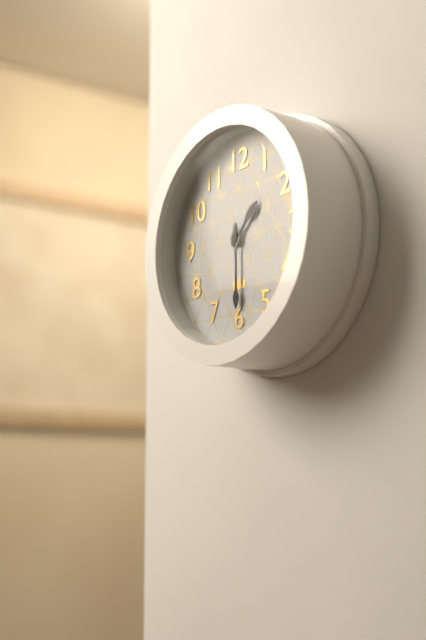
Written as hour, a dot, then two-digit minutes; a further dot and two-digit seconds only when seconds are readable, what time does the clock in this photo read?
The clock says 1.30
